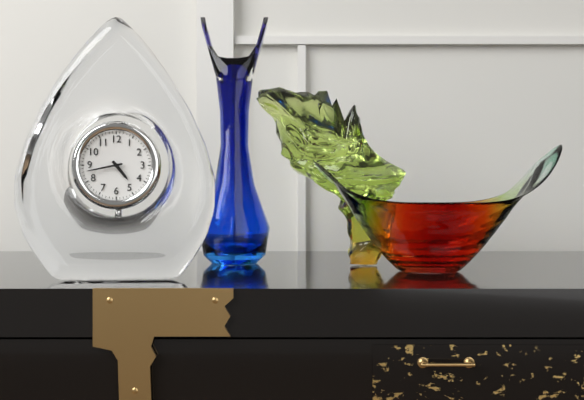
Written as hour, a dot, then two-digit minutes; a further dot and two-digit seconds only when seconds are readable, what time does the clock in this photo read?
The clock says 4.43
